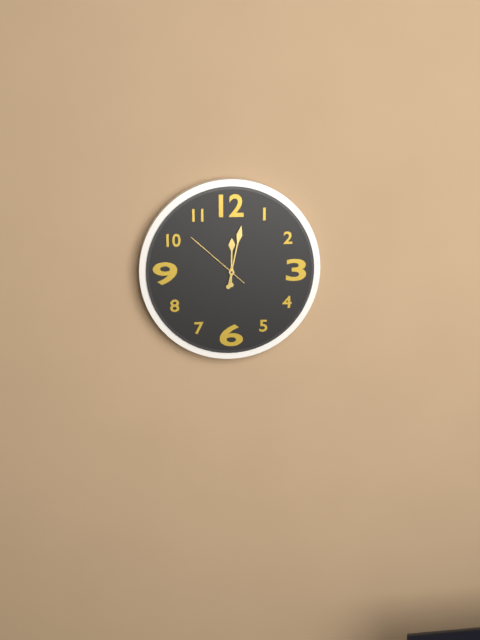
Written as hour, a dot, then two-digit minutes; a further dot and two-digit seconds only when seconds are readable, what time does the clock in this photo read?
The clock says 12.02.52
